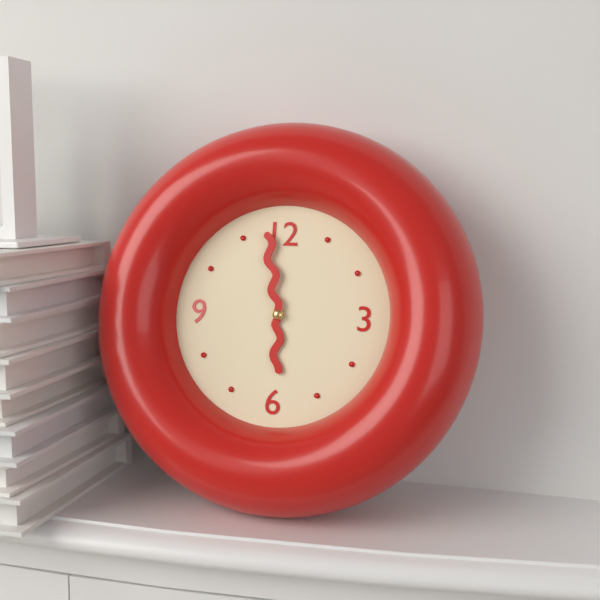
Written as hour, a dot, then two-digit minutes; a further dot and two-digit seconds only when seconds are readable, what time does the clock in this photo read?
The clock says 5.58
